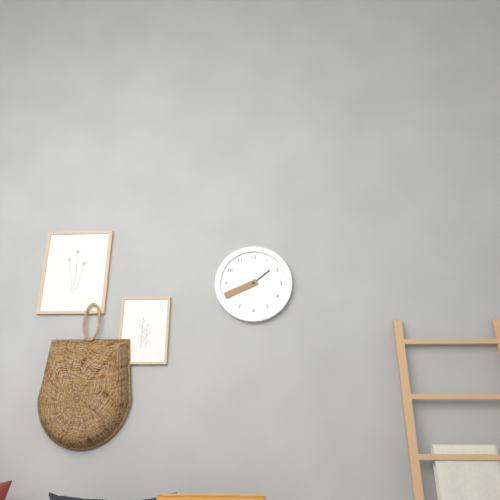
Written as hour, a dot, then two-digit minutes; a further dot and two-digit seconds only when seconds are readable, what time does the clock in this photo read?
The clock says 1.41
